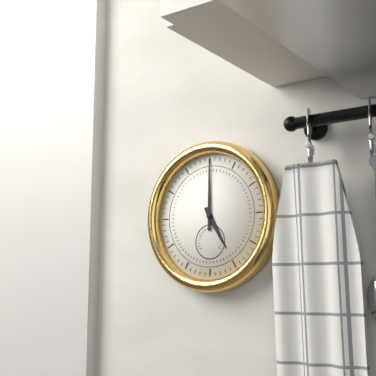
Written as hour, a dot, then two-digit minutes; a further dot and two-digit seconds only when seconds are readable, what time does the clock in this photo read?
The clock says 5.00
